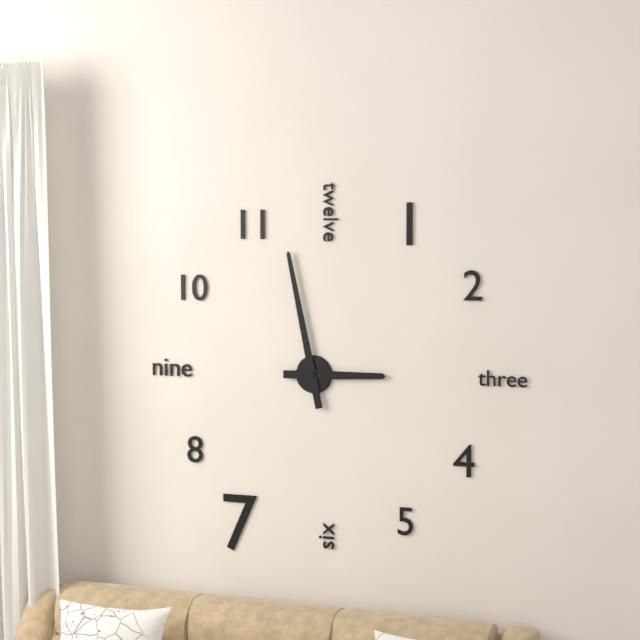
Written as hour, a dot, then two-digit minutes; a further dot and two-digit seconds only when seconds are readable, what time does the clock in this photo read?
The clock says 2.58
